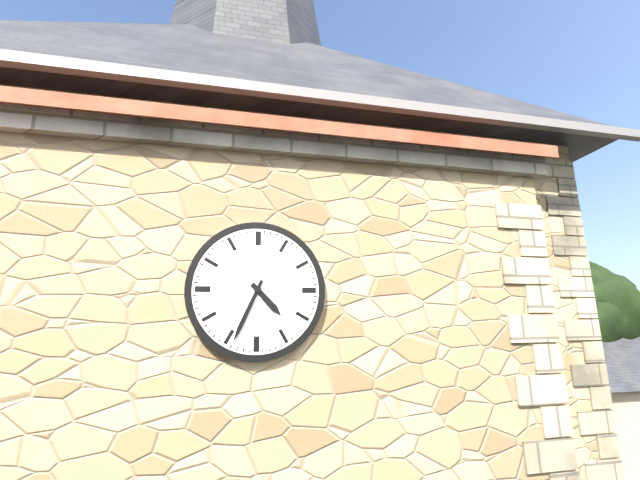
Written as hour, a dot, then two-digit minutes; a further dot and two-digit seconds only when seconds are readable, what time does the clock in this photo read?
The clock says 4.34
